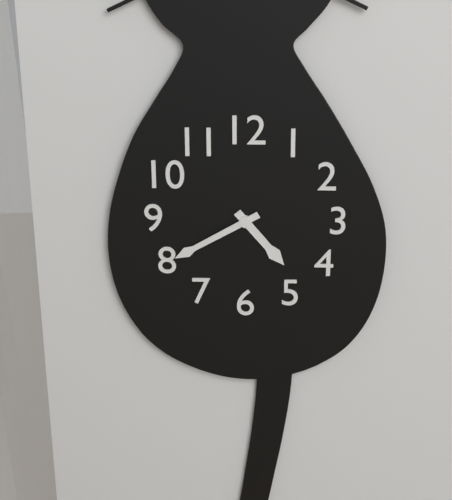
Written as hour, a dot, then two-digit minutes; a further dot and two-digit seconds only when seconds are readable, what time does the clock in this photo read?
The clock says 4.40
